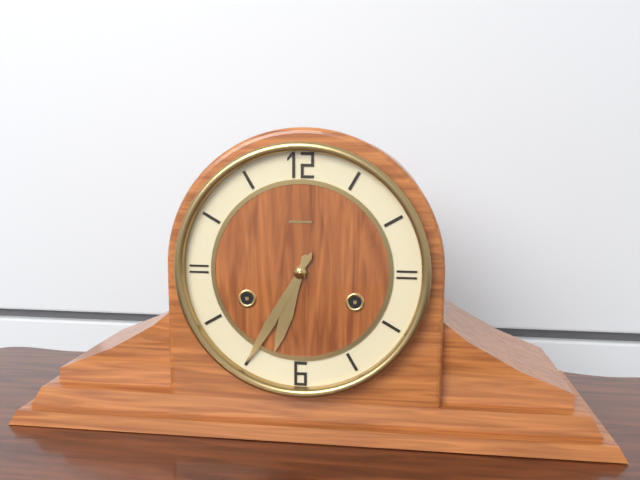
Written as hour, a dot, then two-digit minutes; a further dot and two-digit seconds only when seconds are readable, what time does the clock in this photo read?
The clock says 6.35
